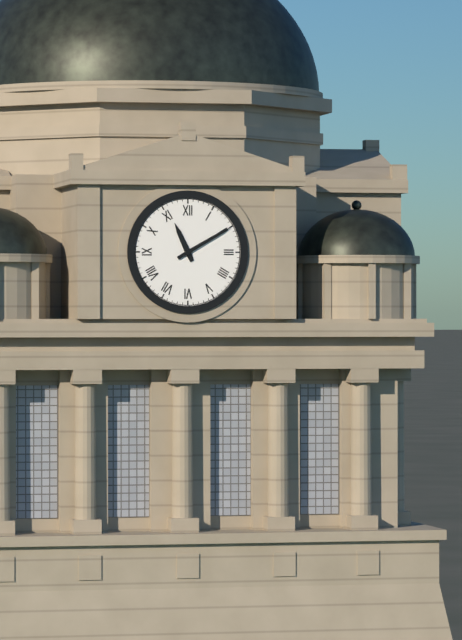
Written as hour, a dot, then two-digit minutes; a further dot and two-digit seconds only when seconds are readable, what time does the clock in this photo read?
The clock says 11.10
